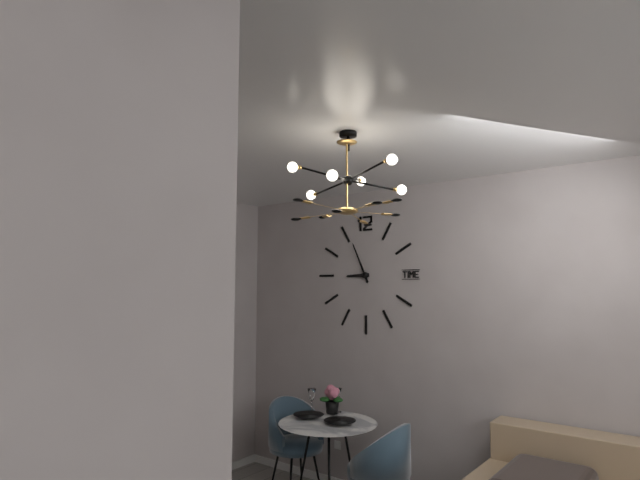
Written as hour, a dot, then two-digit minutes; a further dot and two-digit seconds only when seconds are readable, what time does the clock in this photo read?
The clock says 8.56
